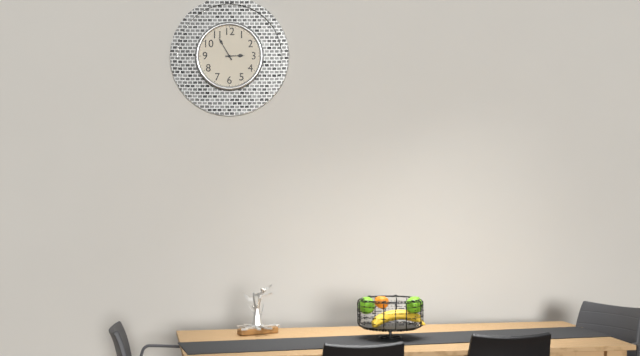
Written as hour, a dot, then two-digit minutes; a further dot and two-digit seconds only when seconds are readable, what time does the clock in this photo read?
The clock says 2.55
